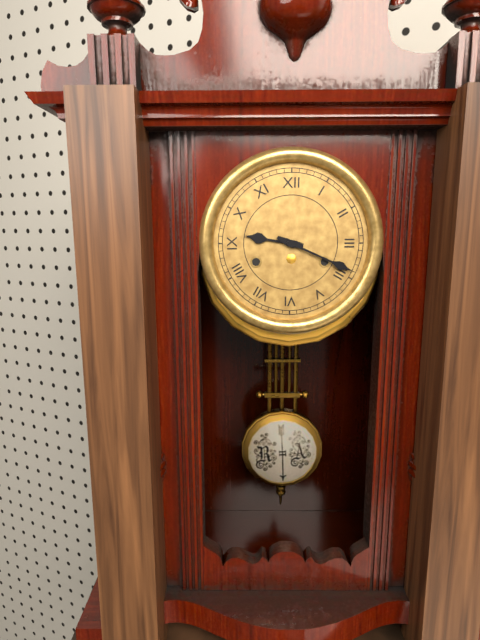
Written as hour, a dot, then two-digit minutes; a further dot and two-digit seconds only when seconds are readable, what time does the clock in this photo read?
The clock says 9.19
